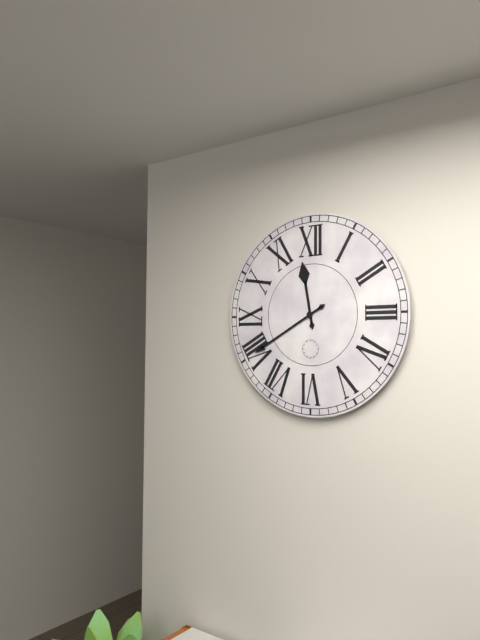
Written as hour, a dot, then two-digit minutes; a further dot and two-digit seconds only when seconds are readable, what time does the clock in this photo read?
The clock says 11.40
